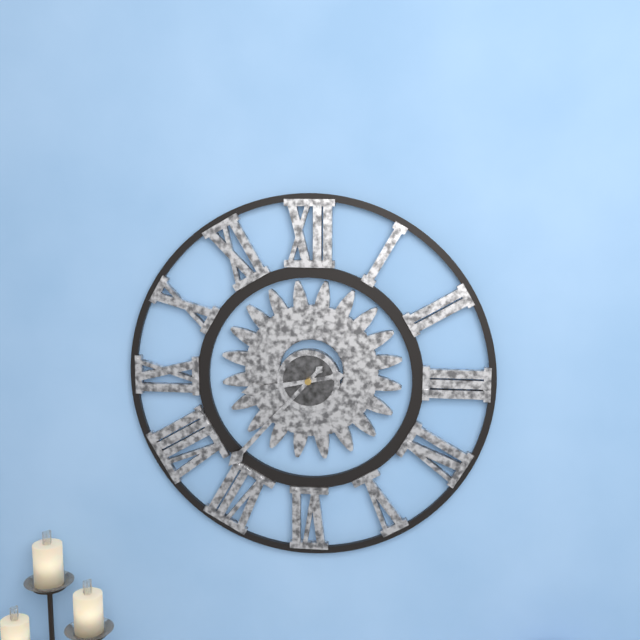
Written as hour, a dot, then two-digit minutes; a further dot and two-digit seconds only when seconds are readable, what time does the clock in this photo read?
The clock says 8.37
